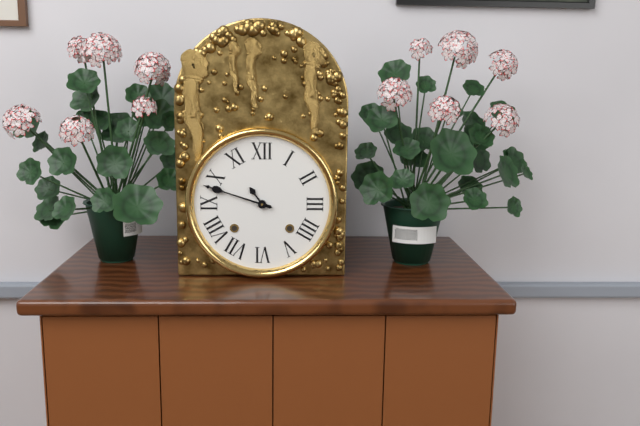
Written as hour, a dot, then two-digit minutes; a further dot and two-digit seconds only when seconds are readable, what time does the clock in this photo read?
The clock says 10.48
